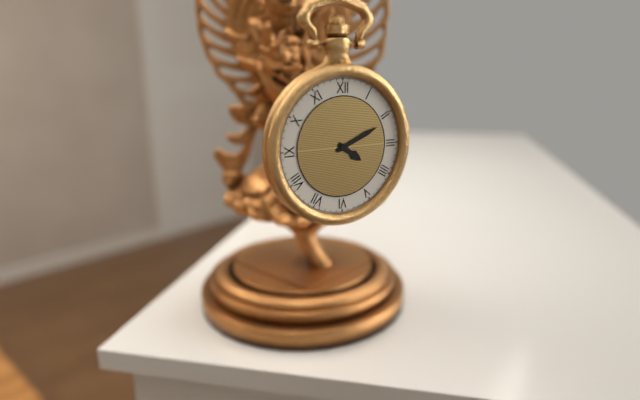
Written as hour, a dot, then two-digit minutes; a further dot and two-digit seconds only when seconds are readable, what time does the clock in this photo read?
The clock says 4.11
